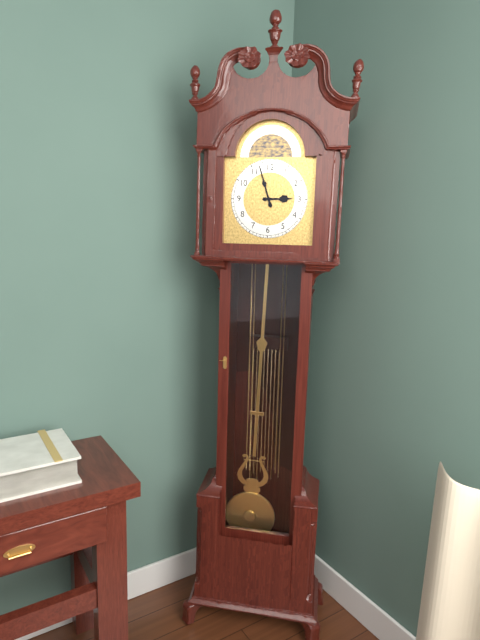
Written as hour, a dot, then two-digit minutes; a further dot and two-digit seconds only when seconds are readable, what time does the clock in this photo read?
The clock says 2.57
